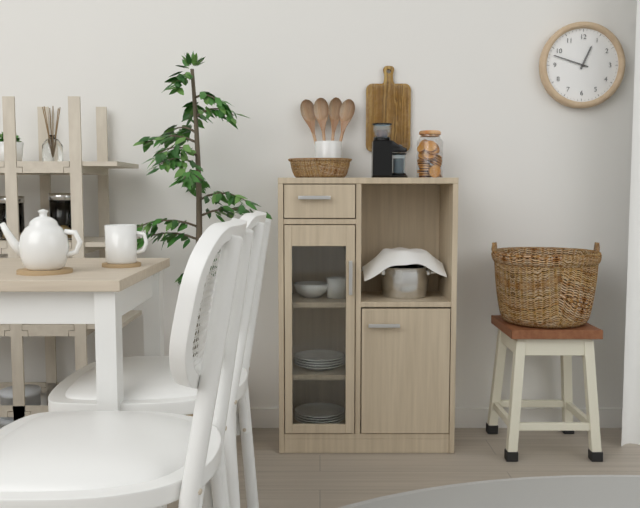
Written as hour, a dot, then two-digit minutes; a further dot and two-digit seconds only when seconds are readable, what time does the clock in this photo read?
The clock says 12.48
